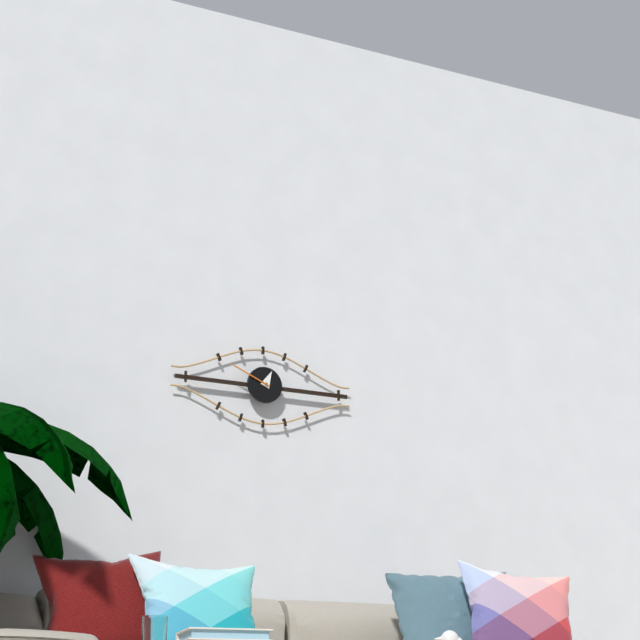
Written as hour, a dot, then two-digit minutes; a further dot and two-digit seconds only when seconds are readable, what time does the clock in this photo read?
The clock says 12.49
